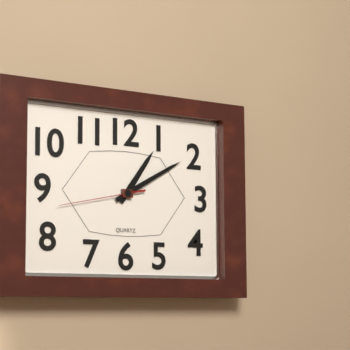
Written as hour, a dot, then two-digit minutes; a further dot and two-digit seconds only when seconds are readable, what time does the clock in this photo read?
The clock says 1.10.43
